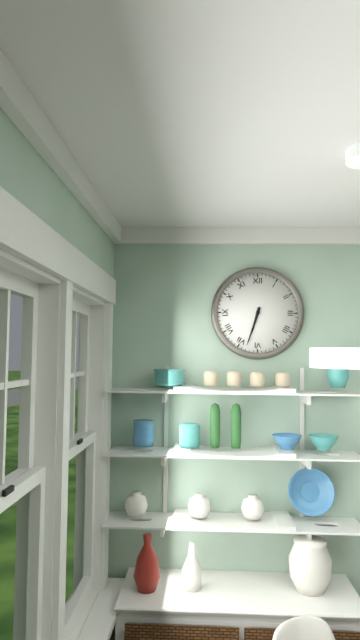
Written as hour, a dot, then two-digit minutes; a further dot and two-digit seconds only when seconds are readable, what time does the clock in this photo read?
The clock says 6.33
